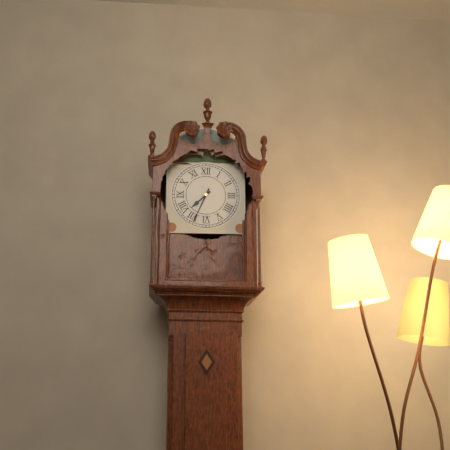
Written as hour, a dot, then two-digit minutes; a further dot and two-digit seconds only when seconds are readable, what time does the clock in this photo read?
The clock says 7.34
